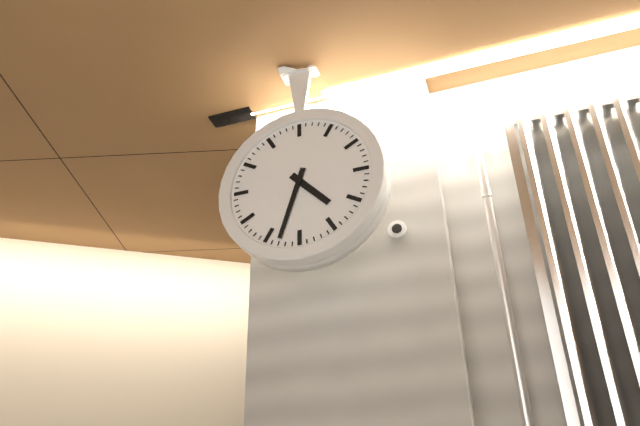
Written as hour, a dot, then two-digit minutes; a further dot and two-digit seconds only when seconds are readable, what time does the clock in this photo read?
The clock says 4.33
